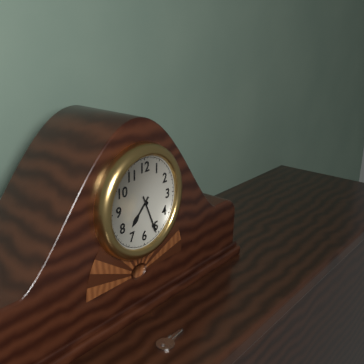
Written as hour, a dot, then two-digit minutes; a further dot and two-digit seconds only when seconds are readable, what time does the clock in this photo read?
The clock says 7.26
